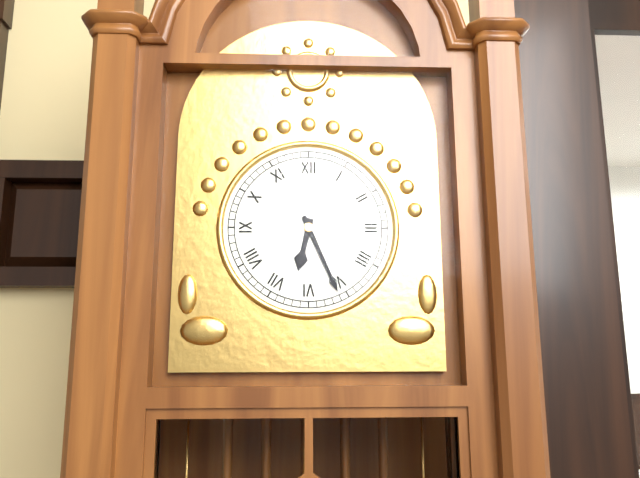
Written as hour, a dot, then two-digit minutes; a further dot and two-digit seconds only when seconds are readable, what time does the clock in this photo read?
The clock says 6.26
